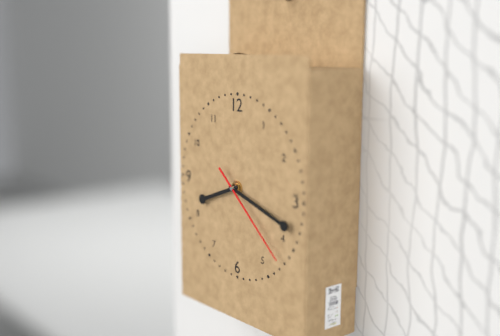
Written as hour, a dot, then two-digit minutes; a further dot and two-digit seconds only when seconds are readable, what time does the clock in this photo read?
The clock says 8.18.22
